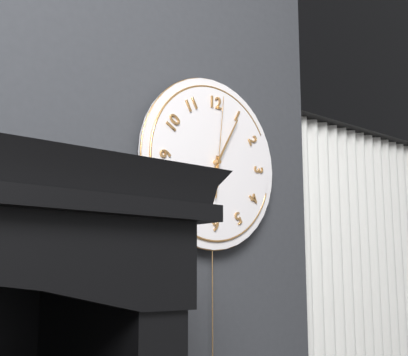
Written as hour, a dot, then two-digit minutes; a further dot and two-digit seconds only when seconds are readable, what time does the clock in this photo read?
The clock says 6.05.01
